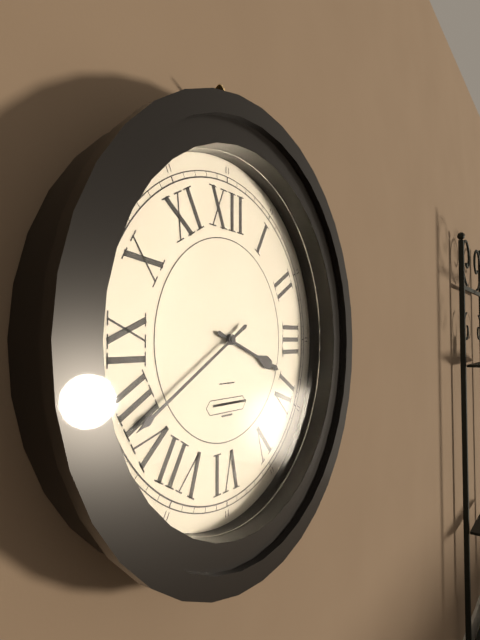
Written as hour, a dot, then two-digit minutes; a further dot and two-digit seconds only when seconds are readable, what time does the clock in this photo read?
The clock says 3.40
